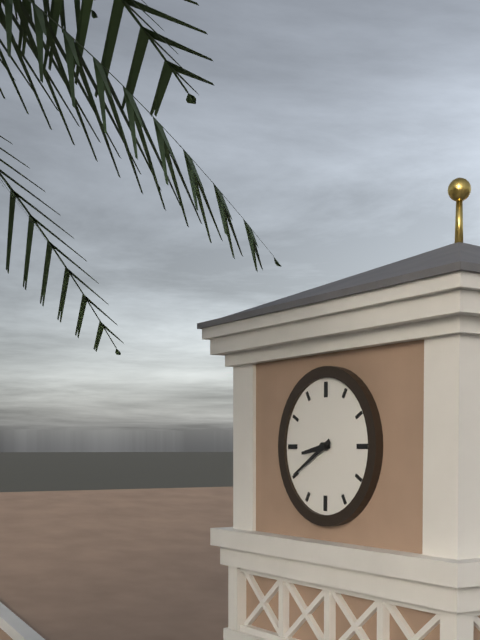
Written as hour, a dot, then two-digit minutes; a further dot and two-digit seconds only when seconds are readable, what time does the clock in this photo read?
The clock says 8.40
